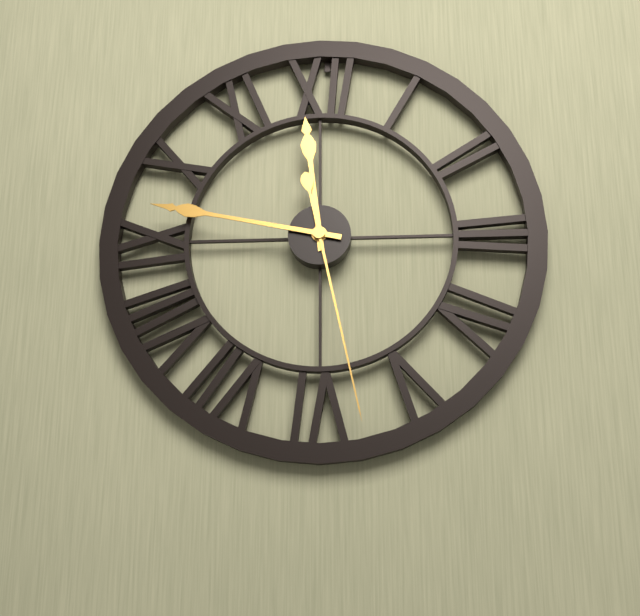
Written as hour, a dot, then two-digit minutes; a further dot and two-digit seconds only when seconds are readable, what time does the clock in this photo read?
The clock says 11.47.28
